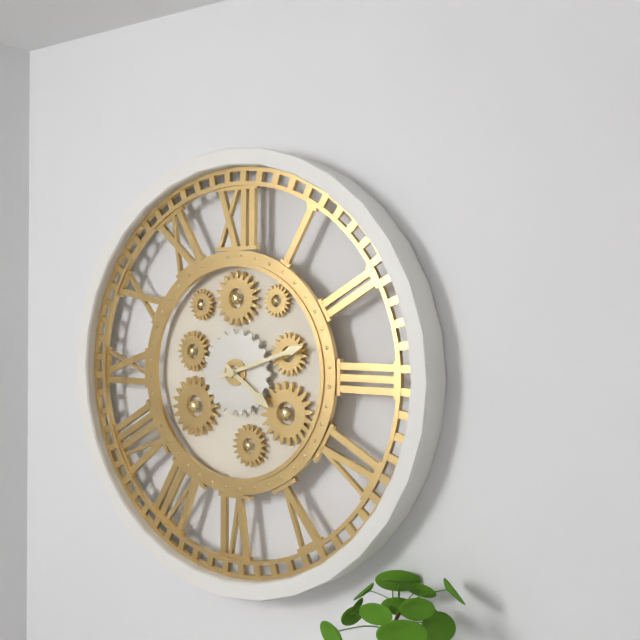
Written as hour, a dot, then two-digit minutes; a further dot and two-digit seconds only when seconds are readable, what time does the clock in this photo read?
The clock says 4.12
